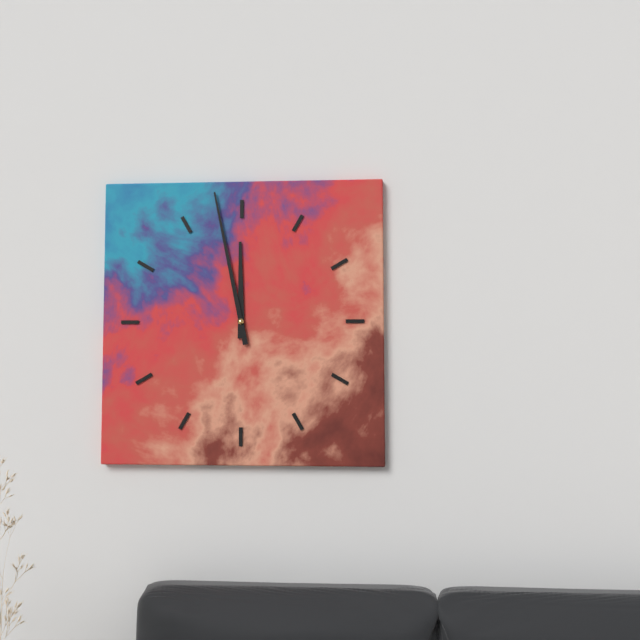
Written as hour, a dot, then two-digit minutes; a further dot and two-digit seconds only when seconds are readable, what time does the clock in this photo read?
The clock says 11.58
